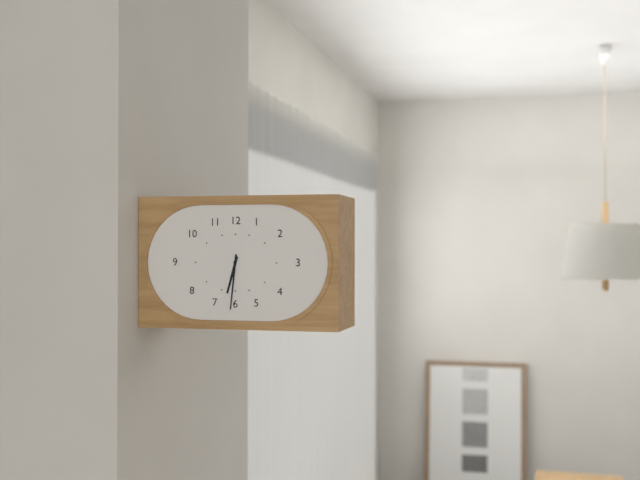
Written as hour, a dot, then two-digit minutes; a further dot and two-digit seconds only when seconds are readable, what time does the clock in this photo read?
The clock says 6.31
